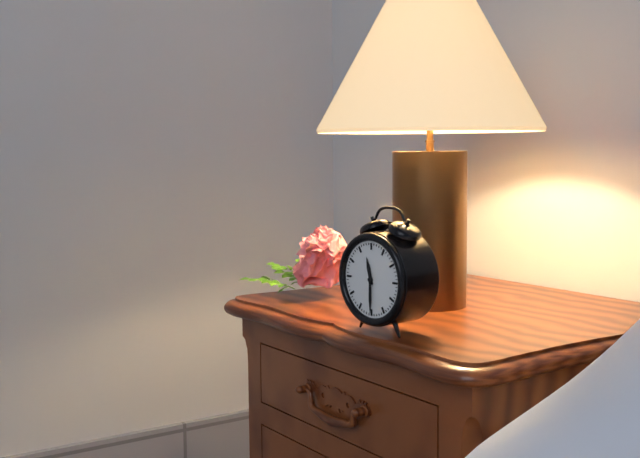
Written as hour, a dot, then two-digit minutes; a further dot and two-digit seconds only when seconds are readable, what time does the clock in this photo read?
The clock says 11.30
